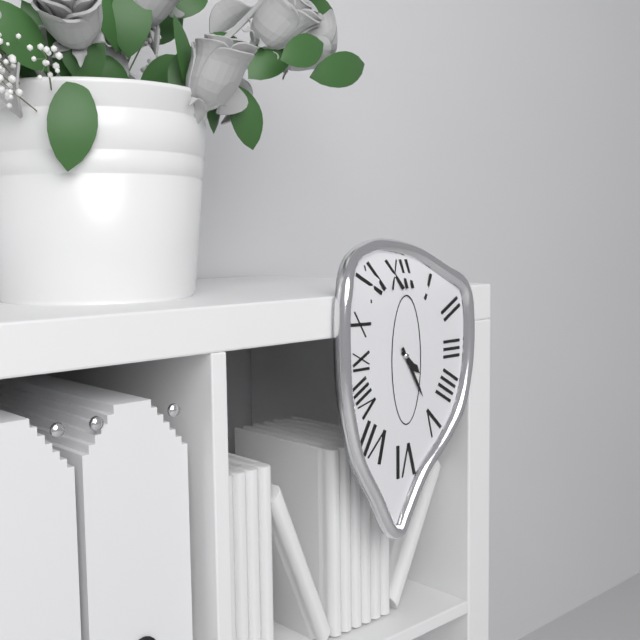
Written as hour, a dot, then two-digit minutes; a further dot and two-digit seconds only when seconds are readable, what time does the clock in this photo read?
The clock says 4.25
